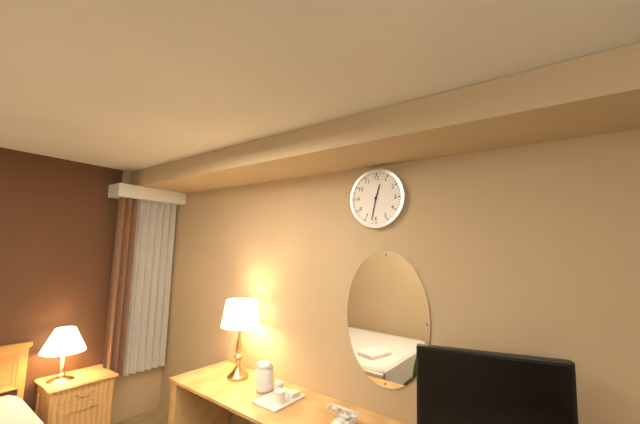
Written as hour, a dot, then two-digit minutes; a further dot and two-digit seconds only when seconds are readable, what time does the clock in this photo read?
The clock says 12.32
